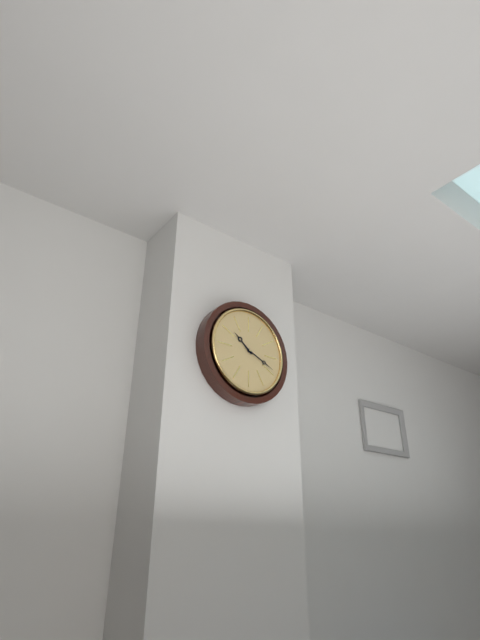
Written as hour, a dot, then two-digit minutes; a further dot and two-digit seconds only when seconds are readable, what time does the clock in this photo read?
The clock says 10.19
